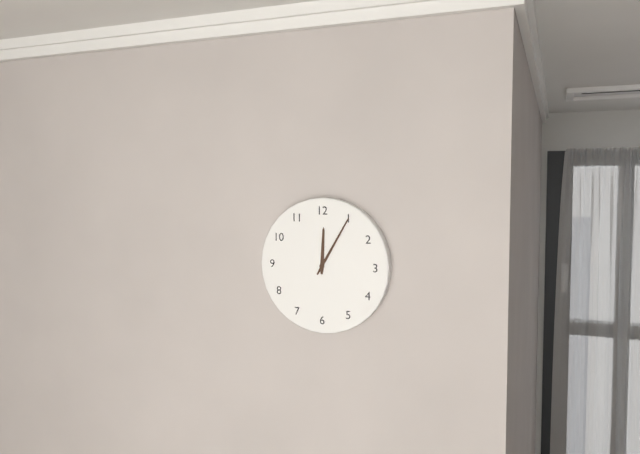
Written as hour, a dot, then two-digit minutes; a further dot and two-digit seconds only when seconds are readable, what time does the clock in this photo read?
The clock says 12.05
